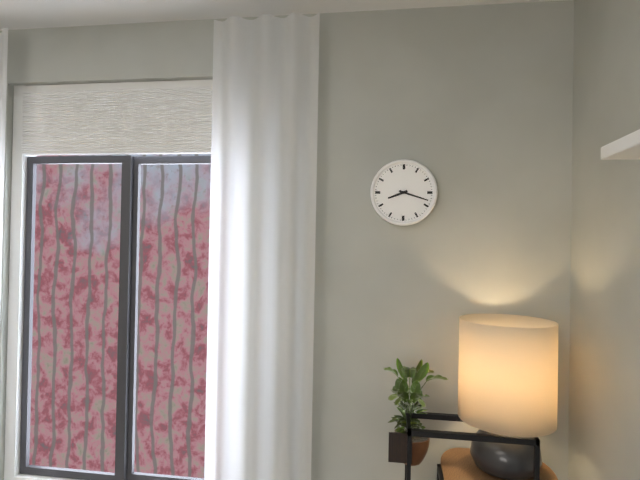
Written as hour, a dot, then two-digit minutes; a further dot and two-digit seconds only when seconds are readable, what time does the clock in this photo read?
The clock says 8.18
